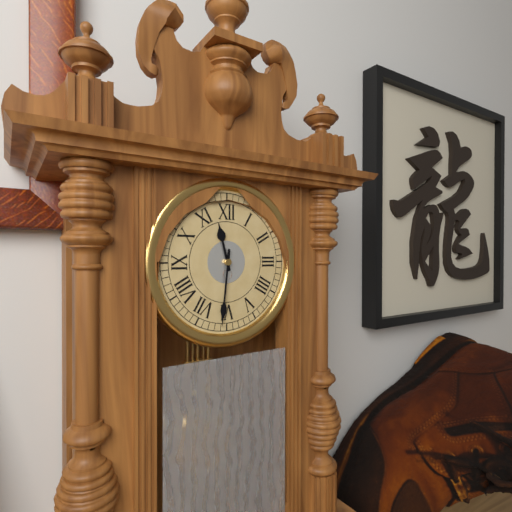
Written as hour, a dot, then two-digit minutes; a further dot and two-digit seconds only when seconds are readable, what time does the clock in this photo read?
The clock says 11.31
